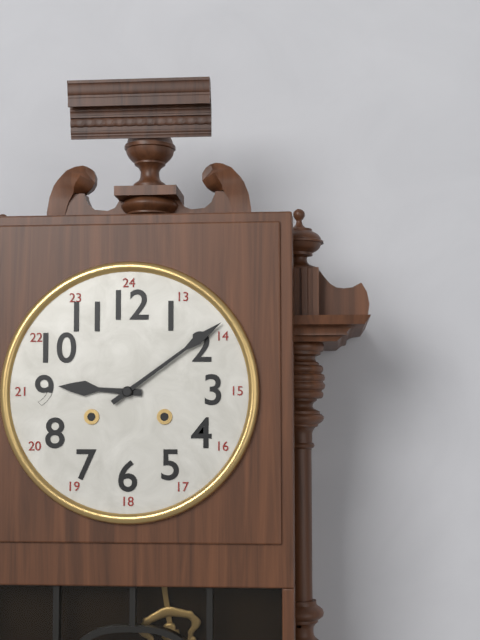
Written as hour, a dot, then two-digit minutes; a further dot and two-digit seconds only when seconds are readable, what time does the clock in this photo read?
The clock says 9.09
